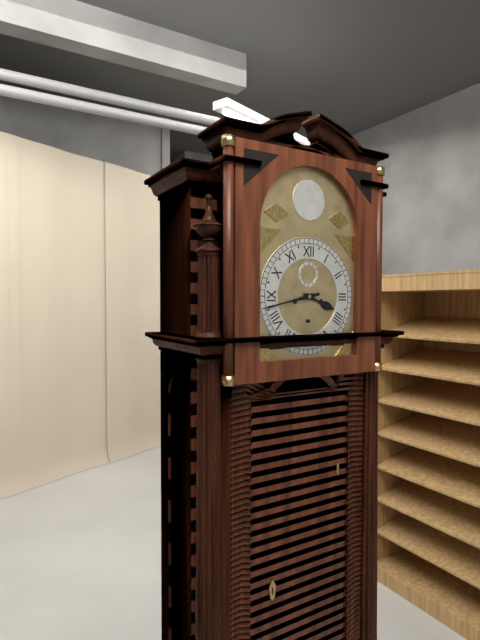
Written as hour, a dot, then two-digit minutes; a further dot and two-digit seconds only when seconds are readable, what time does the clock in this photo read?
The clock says 3.43
